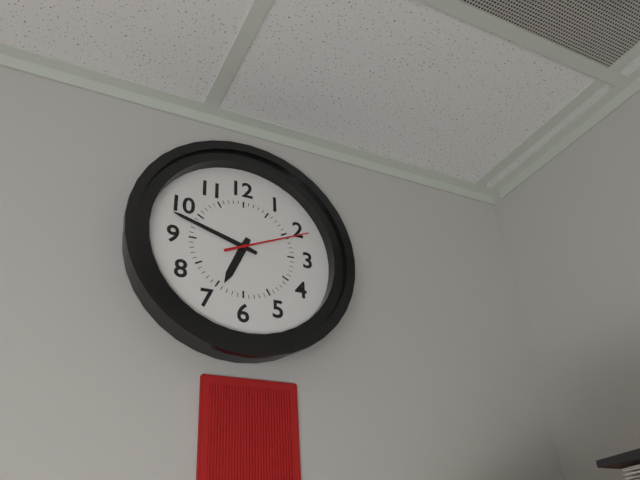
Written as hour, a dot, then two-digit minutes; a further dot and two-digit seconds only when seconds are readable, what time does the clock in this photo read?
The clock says 6.48.11
